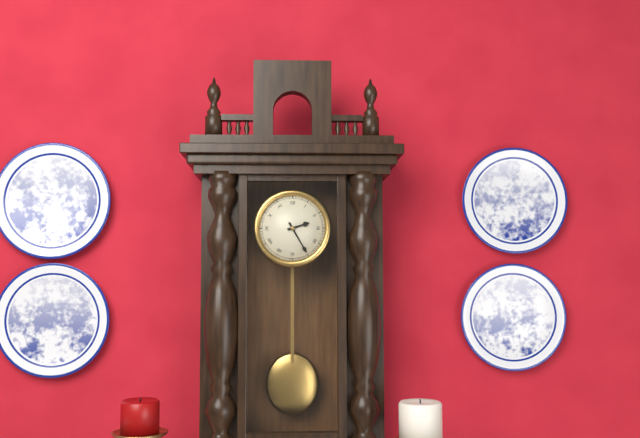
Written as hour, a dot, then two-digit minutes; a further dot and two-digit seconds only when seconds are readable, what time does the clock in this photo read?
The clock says 2.25
